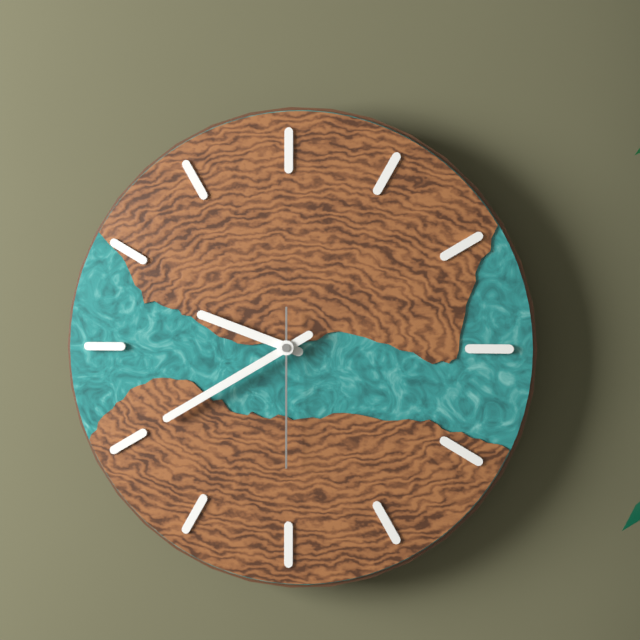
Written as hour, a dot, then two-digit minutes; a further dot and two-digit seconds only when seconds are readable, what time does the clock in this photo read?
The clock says 9.40.30
